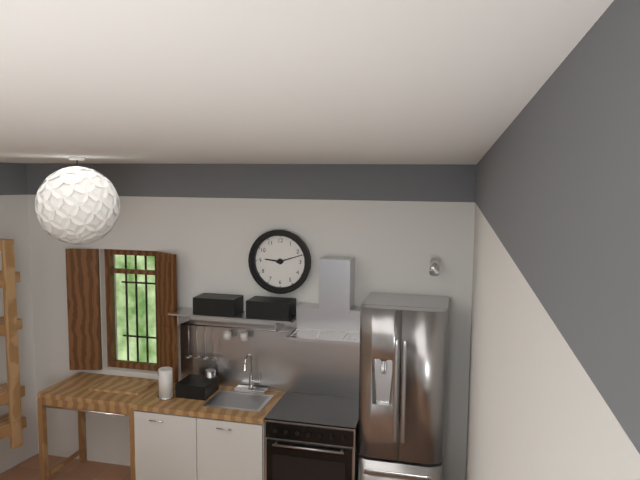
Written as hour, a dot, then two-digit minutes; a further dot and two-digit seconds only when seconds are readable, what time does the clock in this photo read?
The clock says 9.12
